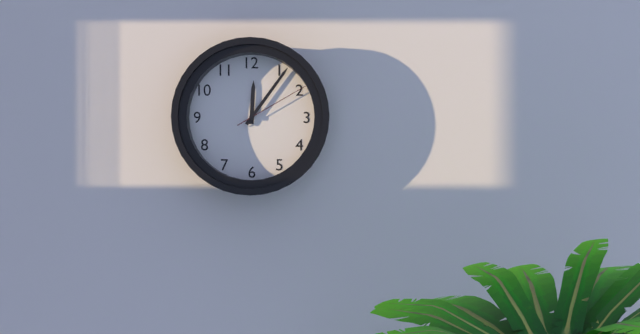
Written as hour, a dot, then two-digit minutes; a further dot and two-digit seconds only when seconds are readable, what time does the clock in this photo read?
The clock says 12.06.10
